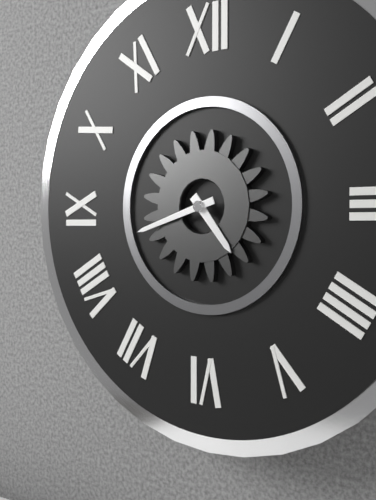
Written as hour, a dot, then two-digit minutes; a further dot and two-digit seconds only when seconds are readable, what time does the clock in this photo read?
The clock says 4.42
